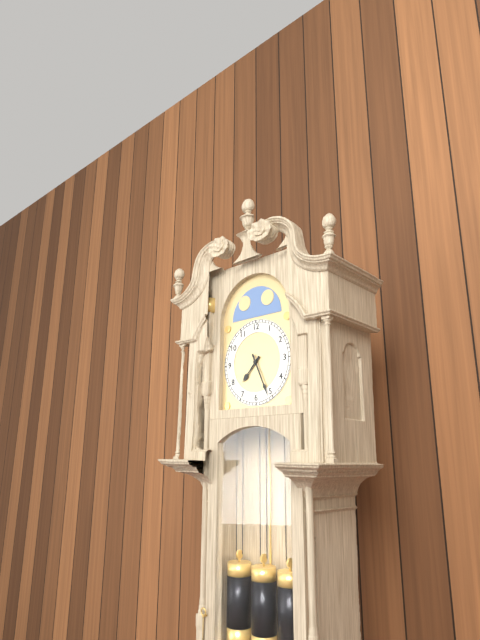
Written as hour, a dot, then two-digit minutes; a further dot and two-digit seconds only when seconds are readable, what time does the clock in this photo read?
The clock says 7.26
